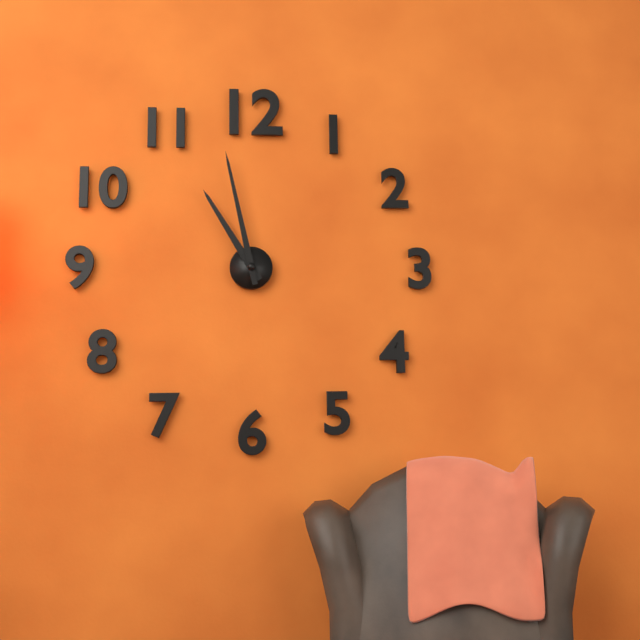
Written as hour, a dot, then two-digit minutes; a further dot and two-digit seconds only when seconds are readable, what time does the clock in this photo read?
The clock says 10.58
